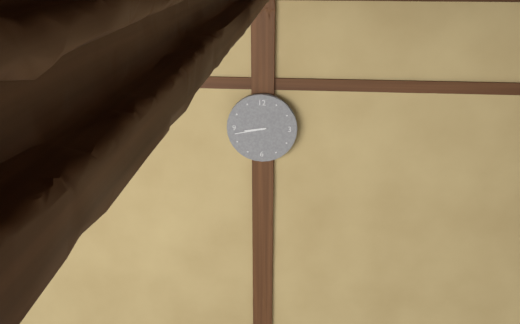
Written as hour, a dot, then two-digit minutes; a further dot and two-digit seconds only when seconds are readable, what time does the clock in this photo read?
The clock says 8.43
